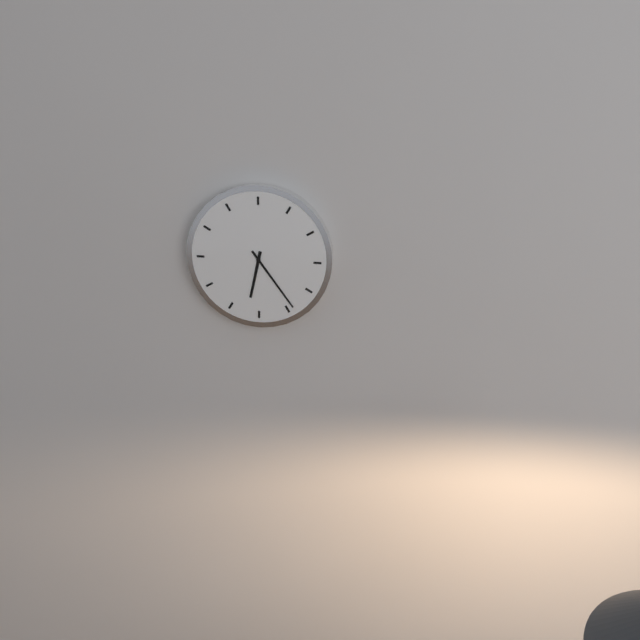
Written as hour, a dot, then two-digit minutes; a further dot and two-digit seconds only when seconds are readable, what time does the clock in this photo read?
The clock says 6.24
